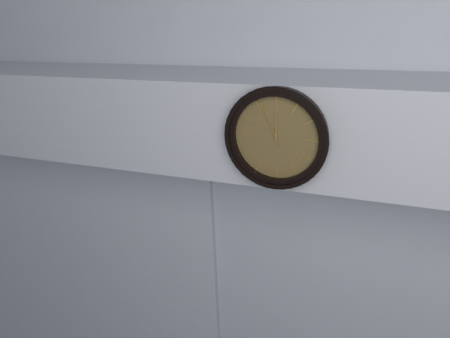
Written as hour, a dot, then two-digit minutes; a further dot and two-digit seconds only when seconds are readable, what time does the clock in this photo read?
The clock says 11.56
